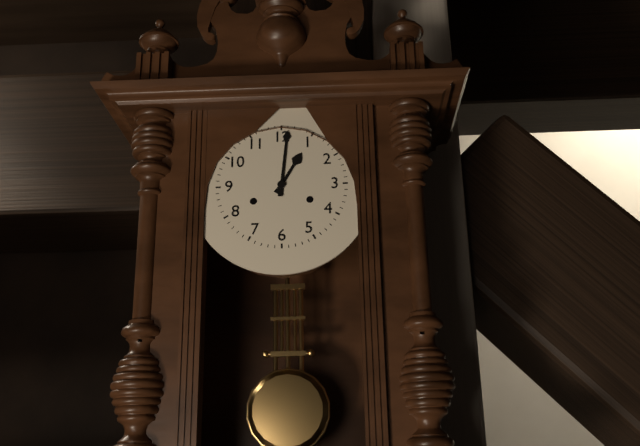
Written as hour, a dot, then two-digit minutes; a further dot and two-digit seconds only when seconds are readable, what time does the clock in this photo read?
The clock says 1.01
